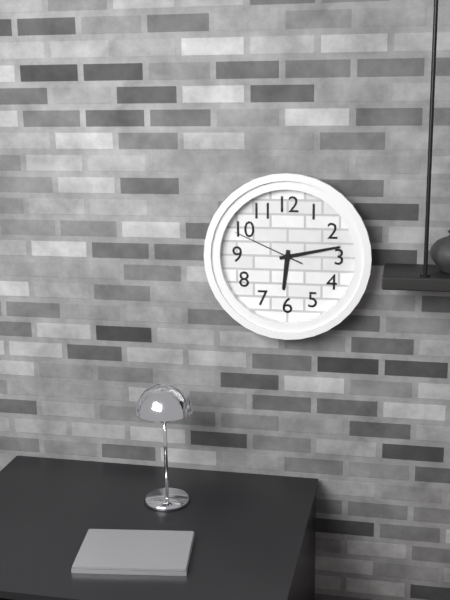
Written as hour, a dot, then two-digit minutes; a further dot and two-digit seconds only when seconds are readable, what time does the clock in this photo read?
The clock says 6.13.49
